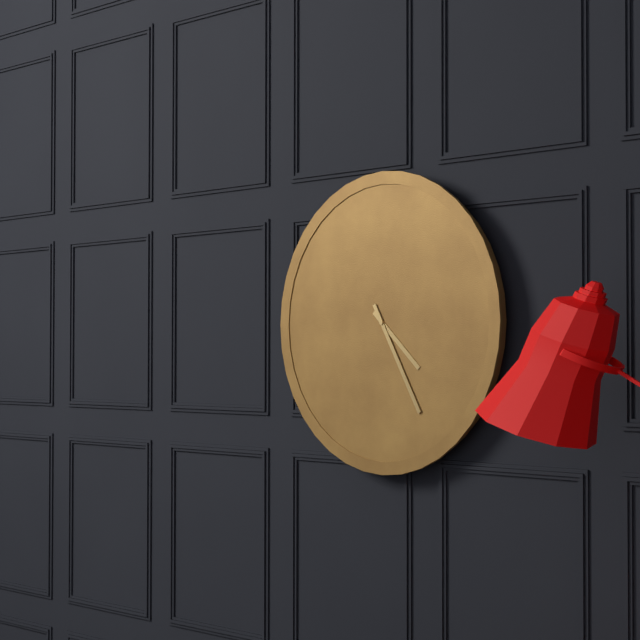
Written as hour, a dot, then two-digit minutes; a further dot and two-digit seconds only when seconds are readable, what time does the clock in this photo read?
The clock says 4.25
